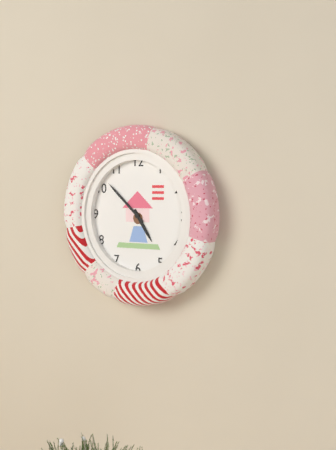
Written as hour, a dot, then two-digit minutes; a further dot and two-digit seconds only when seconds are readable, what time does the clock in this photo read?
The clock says 4.52
